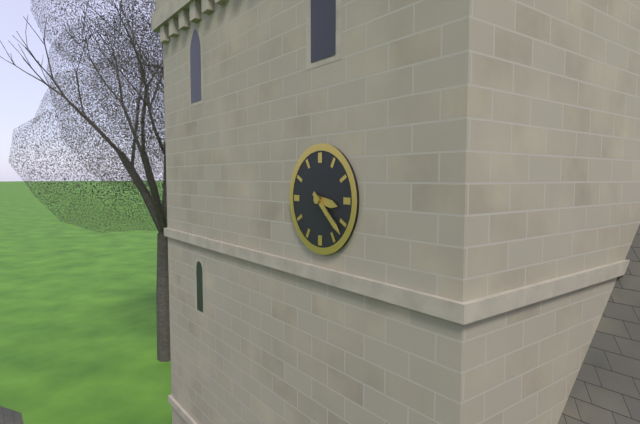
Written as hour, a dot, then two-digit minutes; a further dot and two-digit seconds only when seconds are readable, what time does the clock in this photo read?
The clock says 3.22
